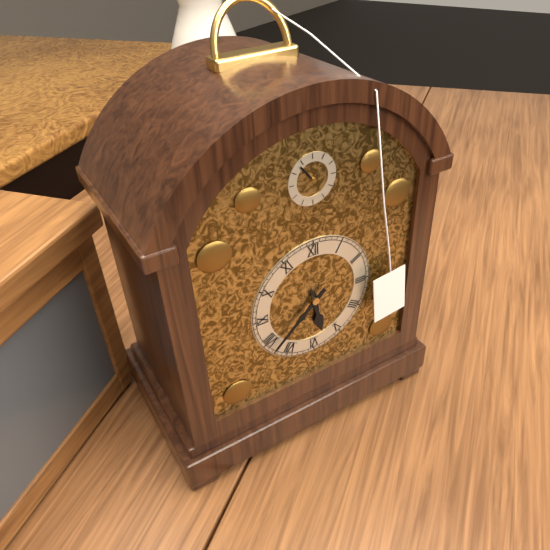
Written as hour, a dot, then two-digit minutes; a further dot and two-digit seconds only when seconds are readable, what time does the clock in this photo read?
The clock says 5.38
